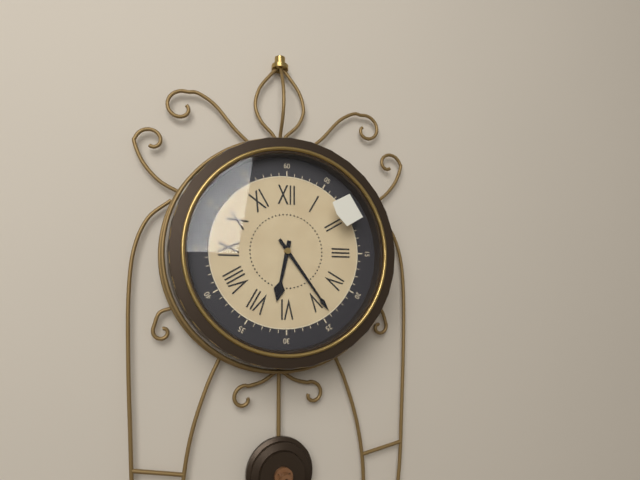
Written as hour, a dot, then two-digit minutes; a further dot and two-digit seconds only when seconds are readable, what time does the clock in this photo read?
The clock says 6.24
